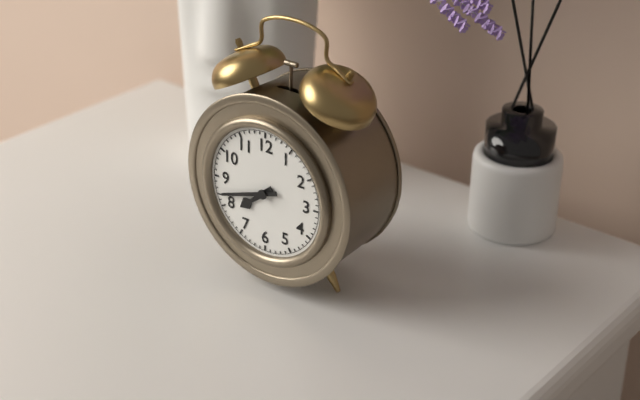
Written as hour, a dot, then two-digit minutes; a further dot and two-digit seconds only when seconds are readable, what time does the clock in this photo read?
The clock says 7.42
